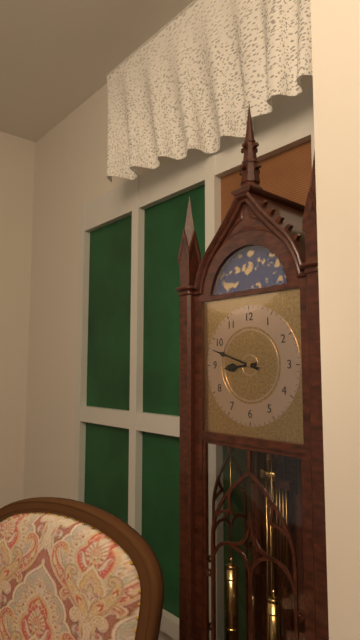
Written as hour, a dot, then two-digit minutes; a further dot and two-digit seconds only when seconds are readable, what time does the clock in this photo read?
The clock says 8.48
